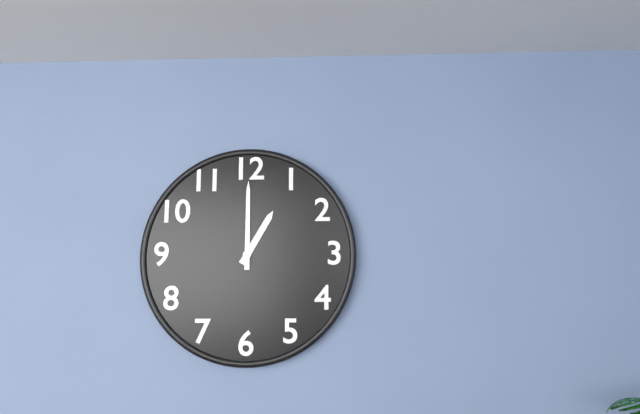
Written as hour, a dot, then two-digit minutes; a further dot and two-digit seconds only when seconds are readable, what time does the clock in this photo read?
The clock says 1.00
